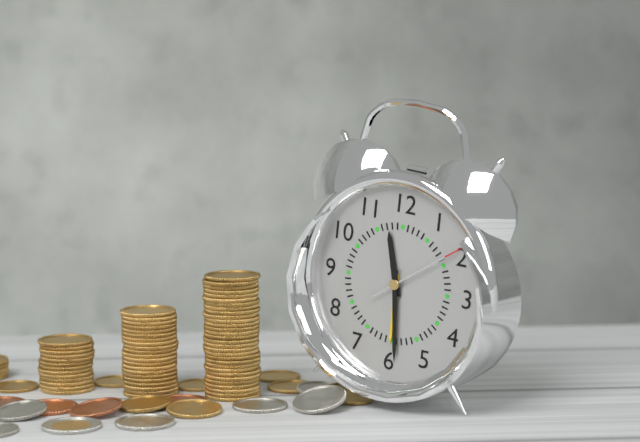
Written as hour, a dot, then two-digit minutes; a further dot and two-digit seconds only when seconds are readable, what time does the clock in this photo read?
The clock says 11.29.09
